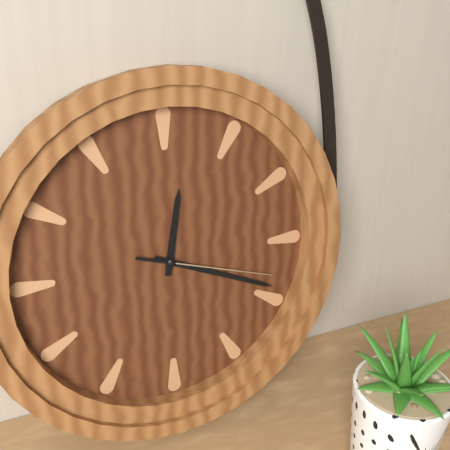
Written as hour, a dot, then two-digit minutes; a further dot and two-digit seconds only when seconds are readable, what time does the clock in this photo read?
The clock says 12.19.18
